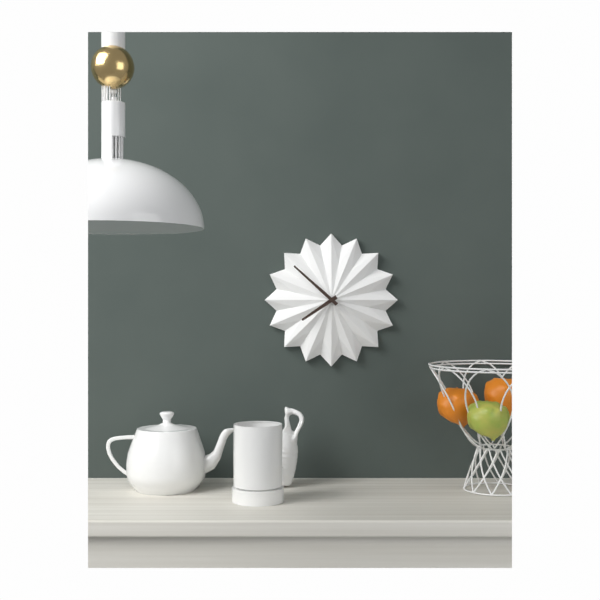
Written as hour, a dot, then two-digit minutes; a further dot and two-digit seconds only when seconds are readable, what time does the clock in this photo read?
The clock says 7.52
